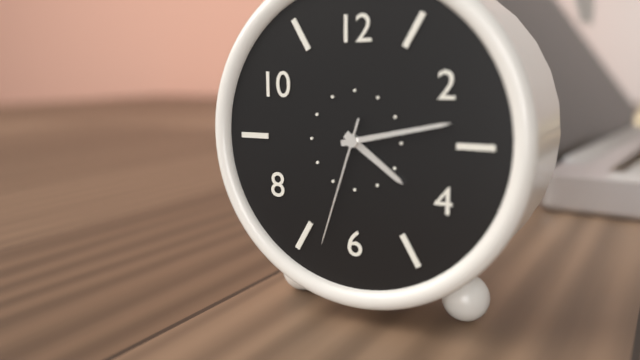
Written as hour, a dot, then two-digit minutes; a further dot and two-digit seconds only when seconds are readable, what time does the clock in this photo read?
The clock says 4.13.33
